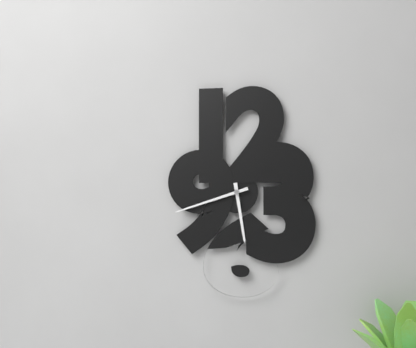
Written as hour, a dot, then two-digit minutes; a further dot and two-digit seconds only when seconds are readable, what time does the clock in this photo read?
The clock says 5.42
